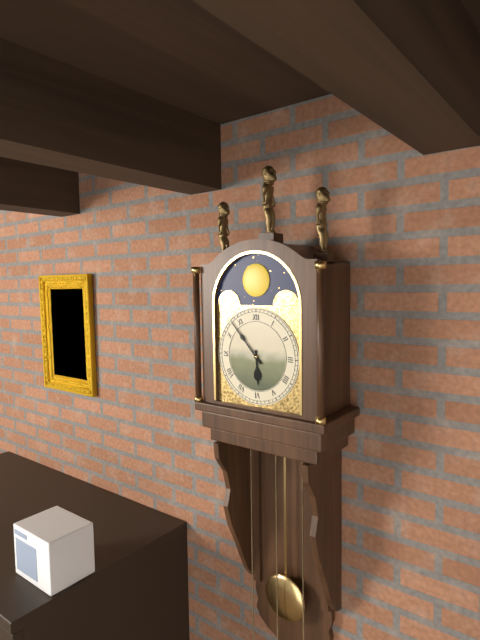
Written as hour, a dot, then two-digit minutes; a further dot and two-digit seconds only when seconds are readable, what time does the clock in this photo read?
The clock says 5.53
